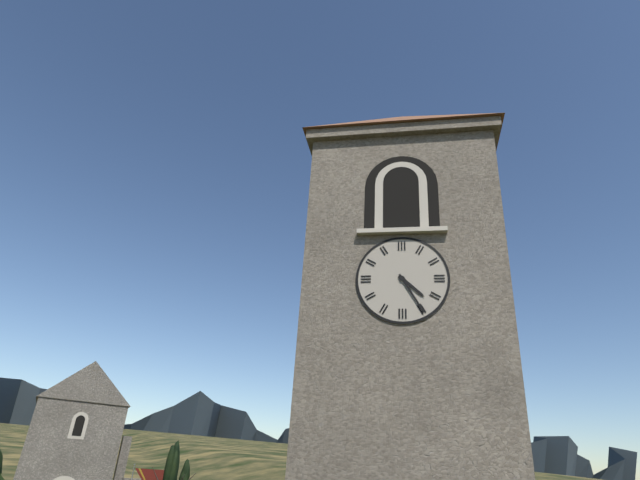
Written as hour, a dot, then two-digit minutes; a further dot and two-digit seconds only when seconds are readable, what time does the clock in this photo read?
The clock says 4.25
